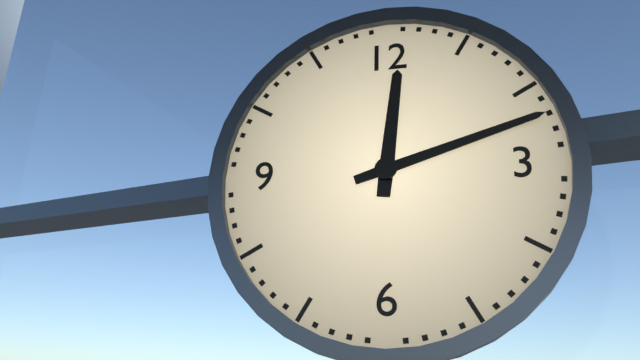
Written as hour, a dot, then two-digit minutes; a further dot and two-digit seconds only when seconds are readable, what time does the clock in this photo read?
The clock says 12.12
